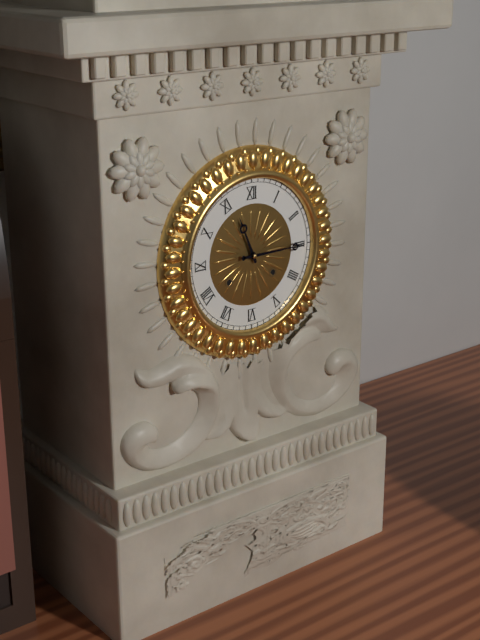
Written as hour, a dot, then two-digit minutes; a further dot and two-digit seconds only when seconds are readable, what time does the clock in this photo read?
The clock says 11.15
